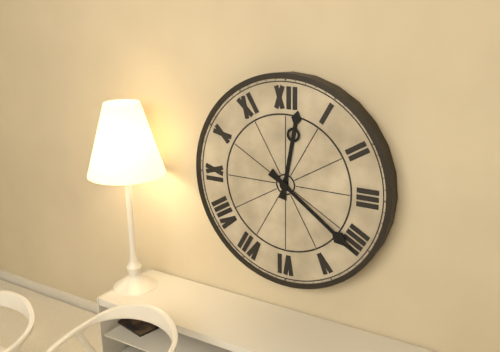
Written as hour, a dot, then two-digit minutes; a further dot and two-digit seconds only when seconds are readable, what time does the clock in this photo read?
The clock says 12.21
